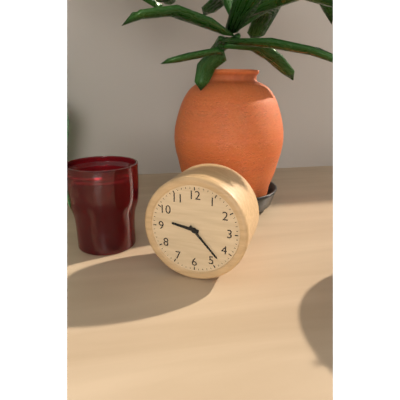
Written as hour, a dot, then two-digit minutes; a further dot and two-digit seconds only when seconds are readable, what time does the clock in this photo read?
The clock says 9.23
